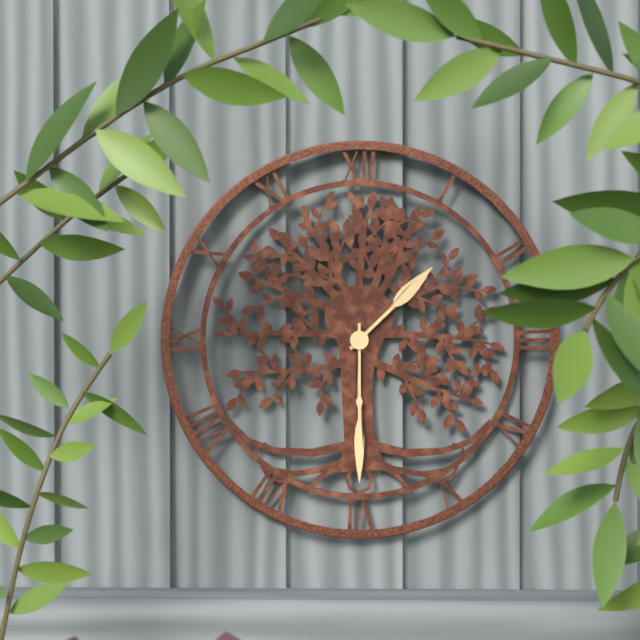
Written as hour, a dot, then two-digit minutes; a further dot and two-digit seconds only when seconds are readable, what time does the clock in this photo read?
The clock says 1.30
